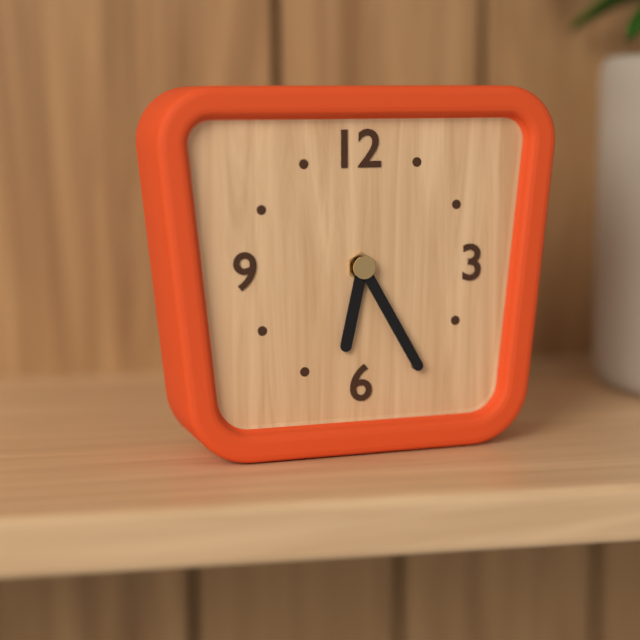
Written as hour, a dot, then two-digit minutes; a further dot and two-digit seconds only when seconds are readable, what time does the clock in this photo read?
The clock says 6.25
